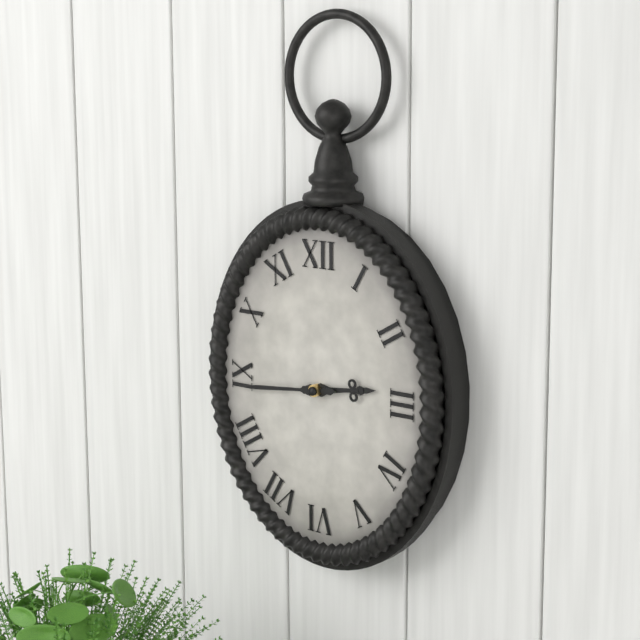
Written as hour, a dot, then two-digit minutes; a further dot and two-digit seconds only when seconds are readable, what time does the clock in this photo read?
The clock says 2.44
